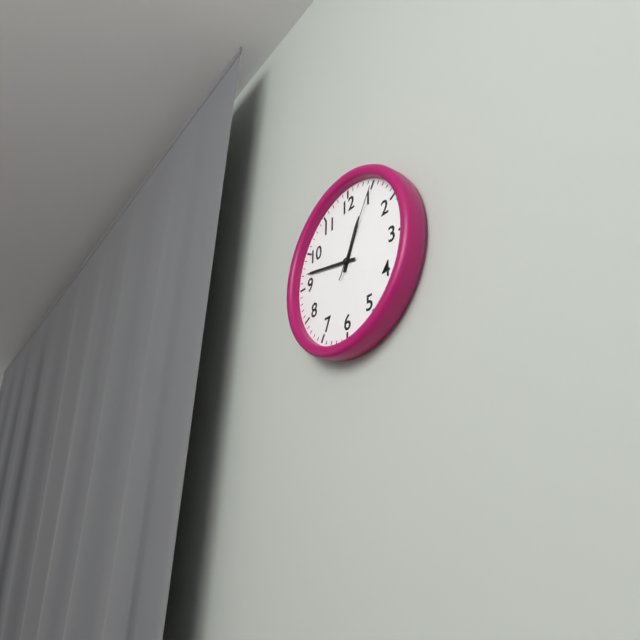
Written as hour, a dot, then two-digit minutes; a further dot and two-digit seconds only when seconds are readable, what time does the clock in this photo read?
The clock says 12.47.05
